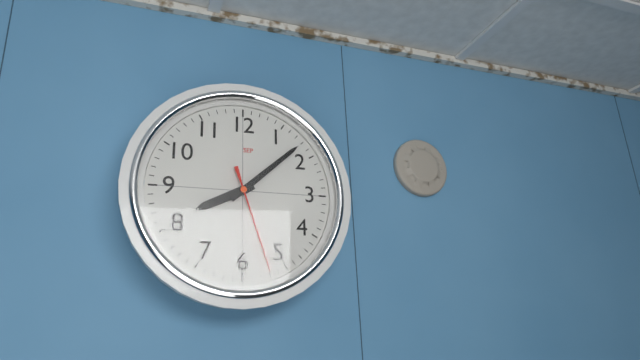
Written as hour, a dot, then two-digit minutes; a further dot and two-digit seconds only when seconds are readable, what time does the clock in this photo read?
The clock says 8.08.27
